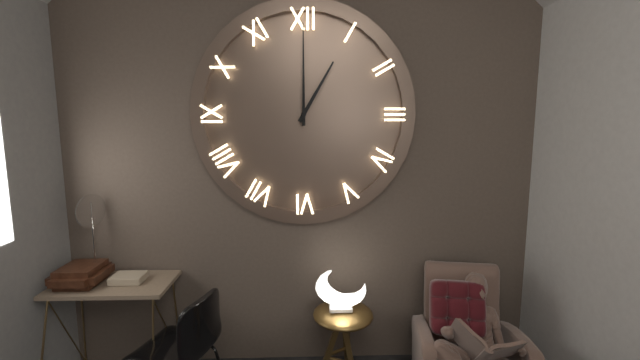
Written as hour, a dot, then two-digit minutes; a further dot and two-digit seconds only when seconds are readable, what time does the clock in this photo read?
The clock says 1.00
